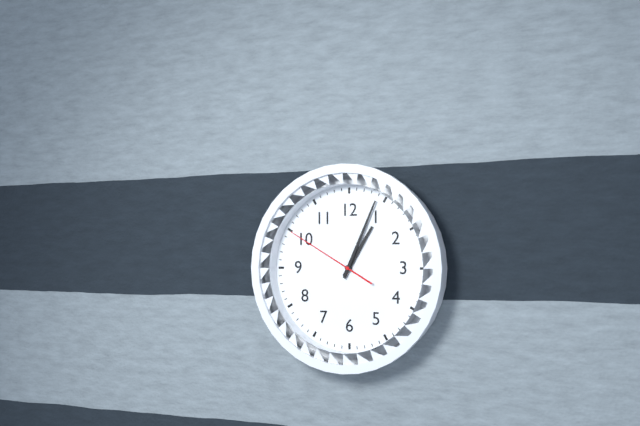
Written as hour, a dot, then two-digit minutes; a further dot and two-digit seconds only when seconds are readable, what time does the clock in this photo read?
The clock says 1.04.50
